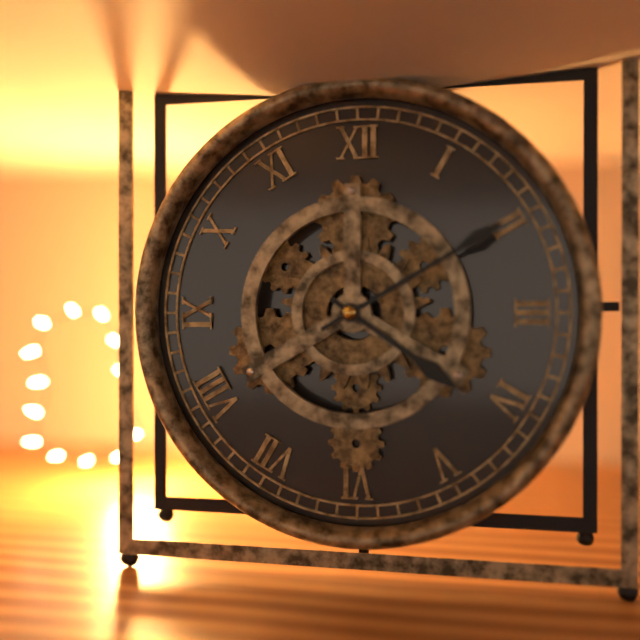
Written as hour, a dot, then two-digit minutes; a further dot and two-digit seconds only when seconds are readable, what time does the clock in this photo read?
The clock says 4.10
